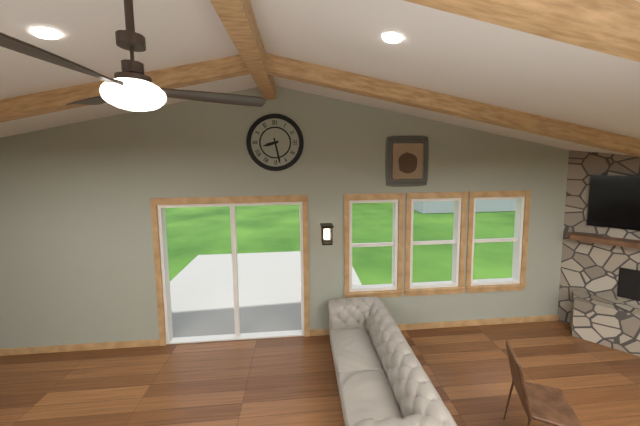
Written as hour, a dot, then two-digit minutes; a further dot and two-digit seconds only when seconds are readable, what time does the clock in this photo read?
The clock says 8.28
